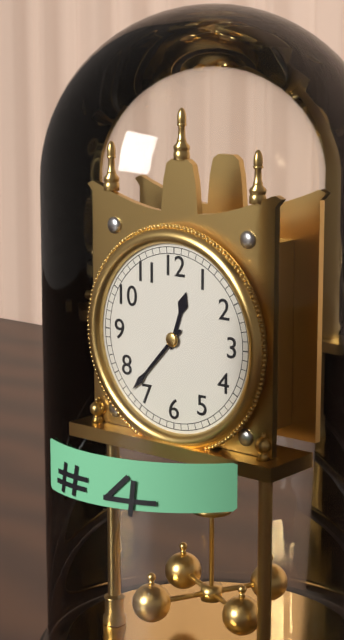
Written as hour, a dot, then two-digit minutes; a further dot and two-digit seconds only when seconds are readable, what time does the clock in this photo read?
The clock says 12.37
